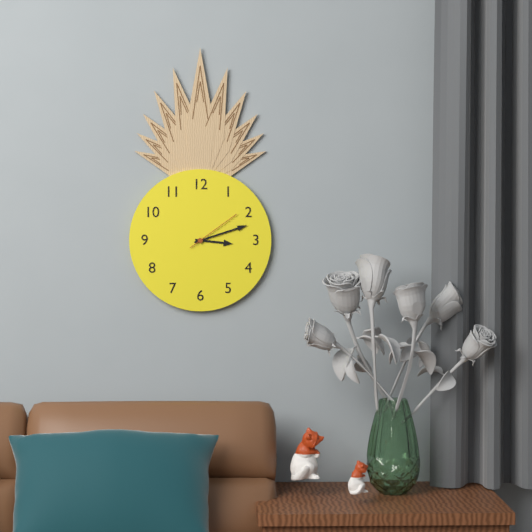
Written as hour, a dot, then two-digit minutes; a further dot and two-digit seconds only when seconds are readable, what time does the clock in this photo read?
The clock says 3.12.09
